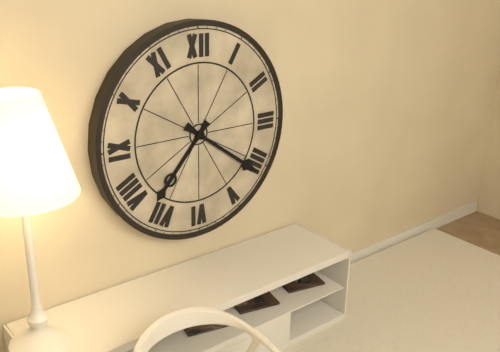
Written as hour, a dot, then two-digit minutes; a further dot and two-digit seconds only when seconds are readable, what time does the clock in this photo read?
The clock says 7.21
